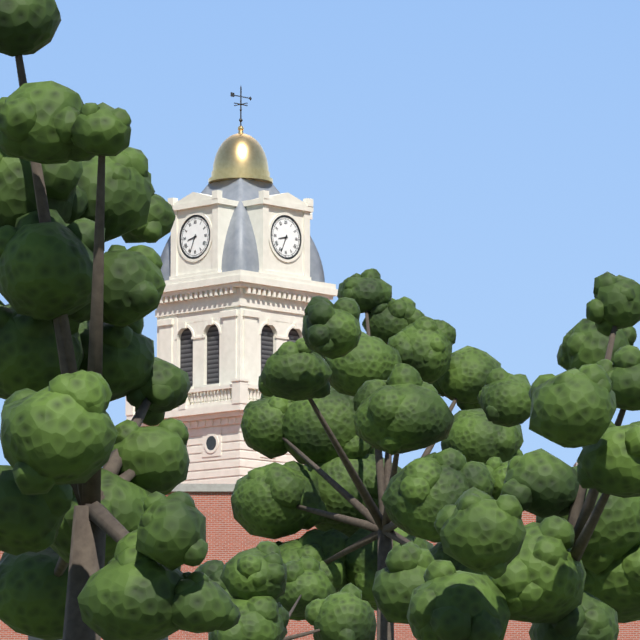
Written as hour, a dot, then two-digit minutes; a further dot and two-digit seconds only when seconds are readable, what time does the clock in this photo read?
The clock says 8.34
